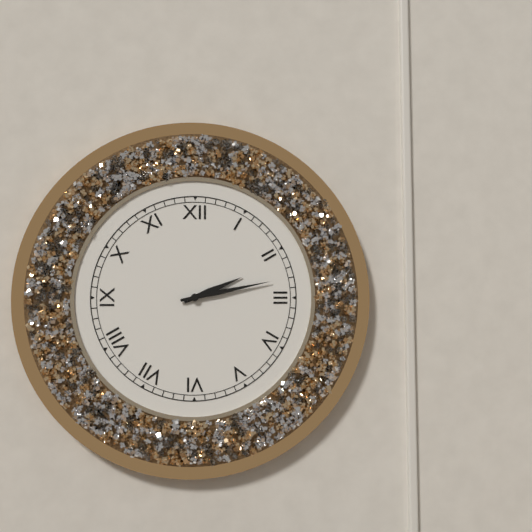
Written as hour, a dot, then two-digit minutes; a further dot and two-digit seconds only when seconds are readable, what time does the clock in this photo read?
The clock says 2.13
